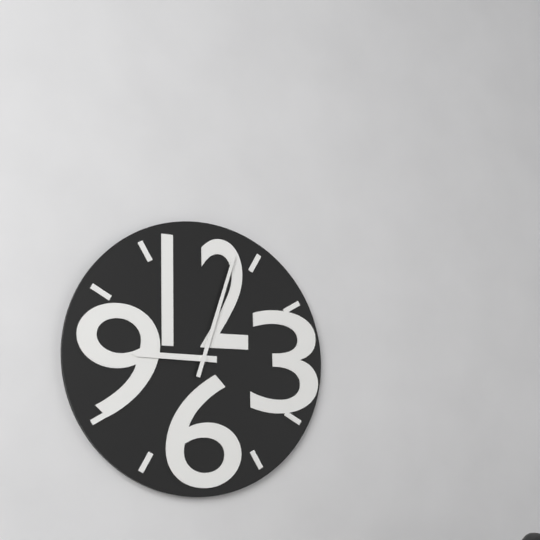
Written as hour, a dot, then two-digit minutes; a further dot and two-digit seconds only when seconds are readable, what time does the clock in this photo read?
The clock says 9.03
